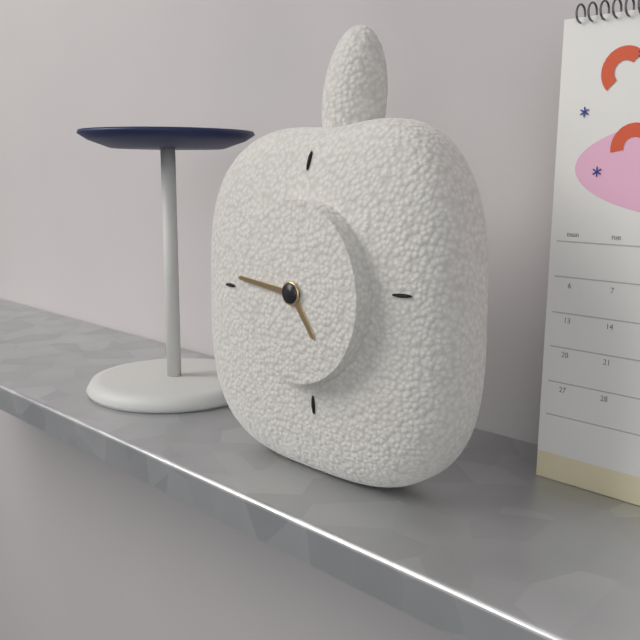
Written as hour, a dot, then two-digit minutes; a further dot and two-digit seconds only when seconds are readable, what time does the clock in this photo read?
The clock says 4.46
